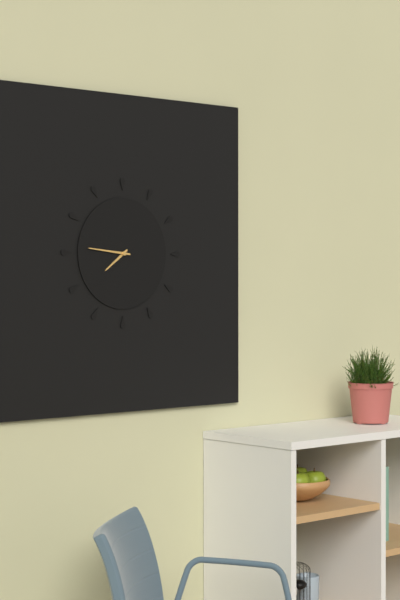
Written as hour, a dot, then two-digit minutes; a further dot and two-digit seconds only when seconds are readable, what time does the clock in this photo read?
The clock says 7.46
